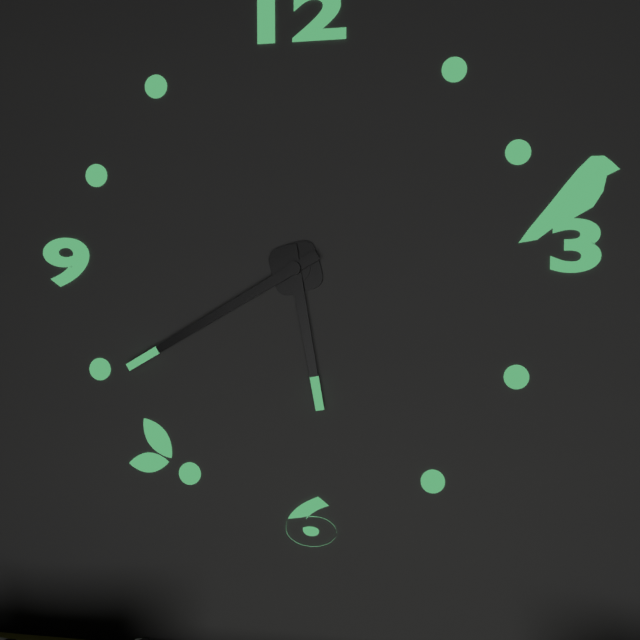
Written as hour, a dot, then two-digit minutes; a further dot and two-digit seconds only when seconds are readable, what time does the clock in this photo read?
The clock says 5.40
